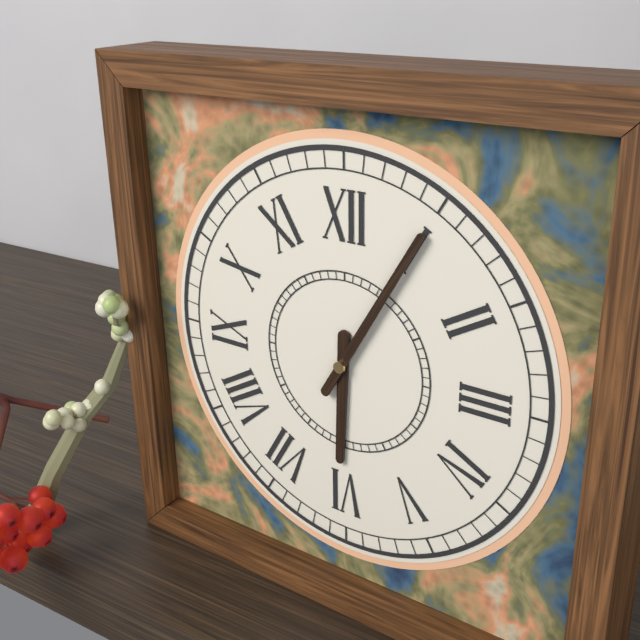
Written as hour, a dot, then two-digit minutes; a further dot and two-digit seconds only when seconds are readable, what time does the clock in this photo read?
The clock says 6.05
